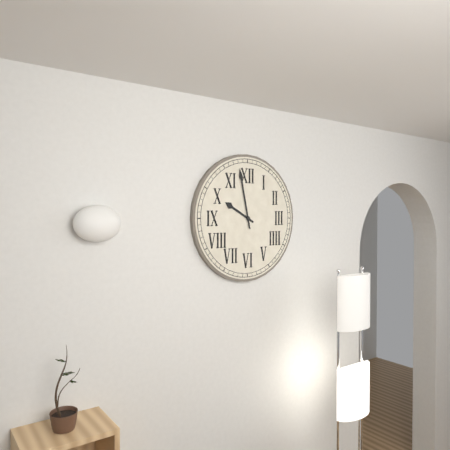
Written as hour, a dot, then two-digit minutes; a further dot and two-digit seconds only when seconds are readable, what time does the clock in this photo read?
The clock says 9.58
